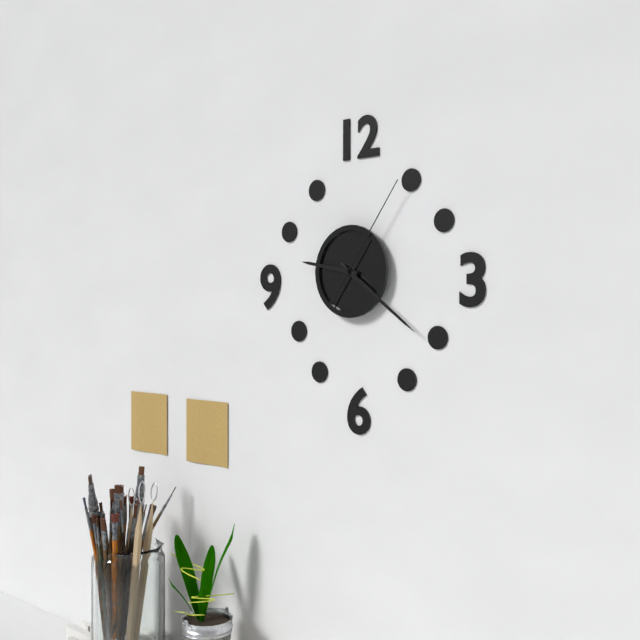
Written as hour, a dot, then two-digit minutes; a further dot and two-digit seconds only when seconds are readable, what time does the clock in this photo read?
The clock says 9.21.06
